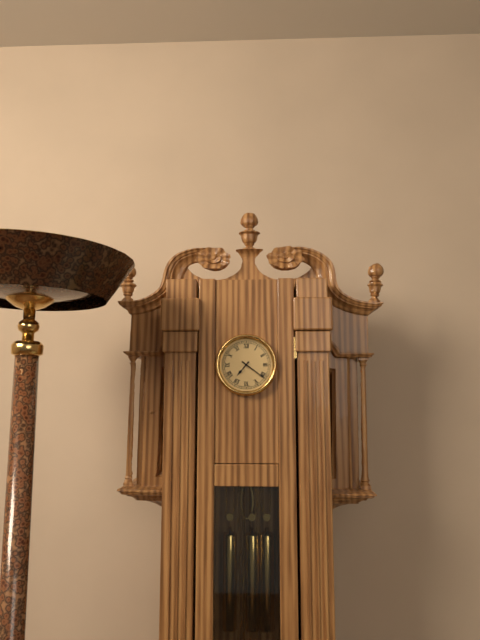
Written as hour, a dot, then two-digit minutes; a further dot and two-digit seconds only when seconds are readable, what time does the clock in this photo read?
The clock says 7.21
